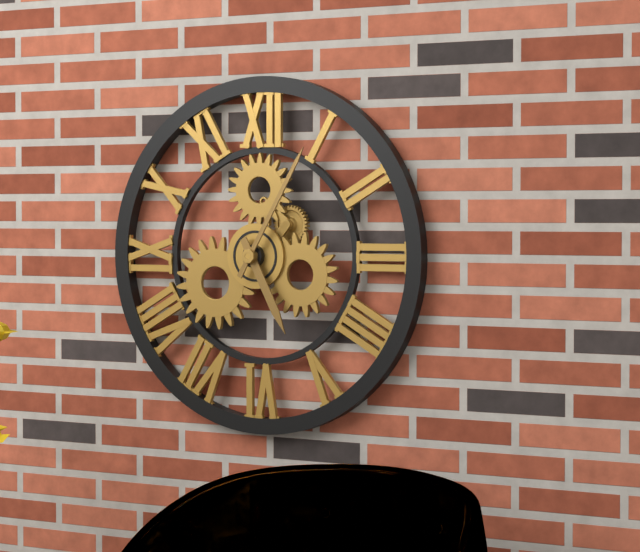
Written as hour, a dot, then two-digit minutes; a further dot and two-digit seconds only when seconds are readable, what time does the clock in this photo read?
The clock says 5.05
